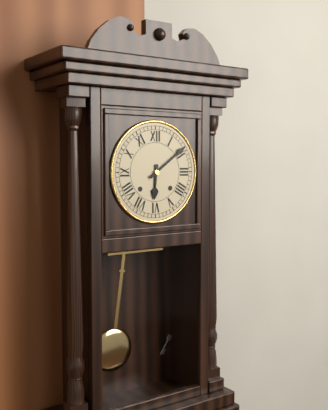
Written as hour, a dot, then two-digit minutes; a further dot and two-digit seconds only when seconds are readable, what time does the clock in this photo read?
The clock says 6.09
